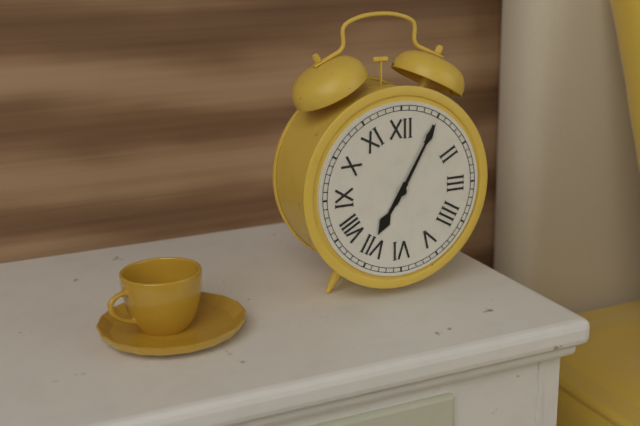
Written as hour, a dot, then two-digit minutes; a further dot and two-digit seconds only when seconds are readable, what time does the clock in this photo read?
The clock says 7.05
